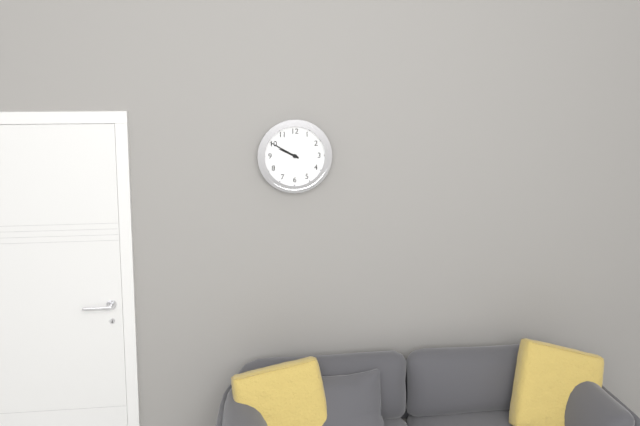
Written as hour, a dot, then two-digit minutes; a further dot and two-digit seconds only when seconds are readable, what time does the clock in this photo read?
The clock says 9.50
